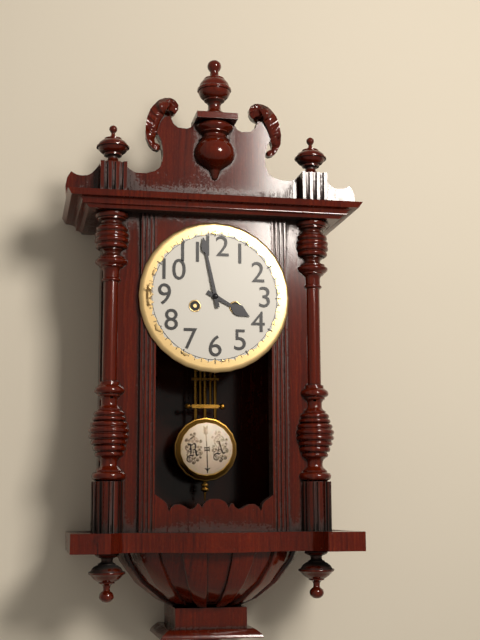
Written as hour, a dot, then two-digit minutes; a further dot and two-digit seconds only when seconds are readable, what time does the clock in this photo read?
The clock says 3.58
